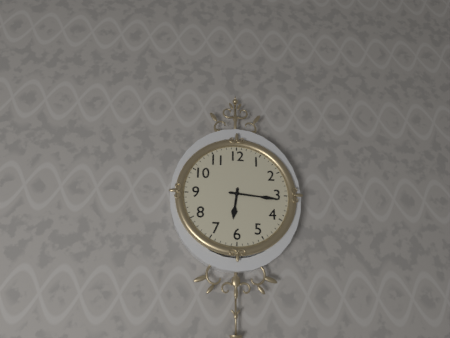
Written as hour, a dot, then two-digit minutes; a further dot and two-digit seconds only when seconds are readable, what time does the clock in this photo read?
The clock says 6.16
